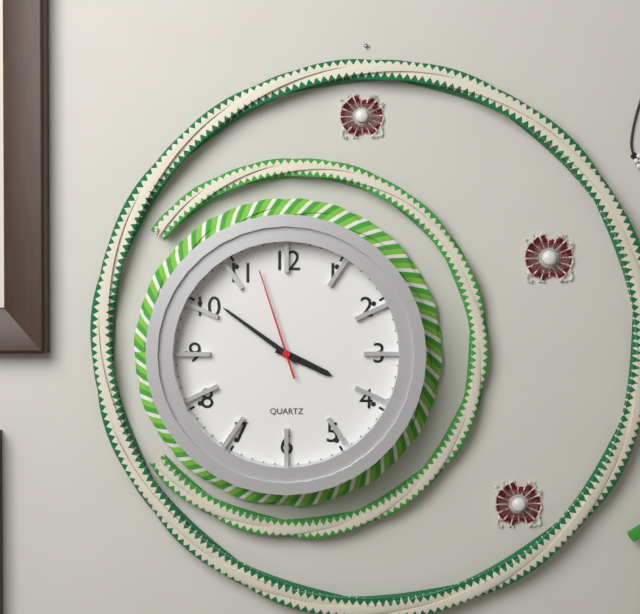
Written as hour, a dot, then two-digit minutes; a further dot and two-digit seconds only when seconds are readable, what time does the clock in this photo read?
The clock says 3.51.57
